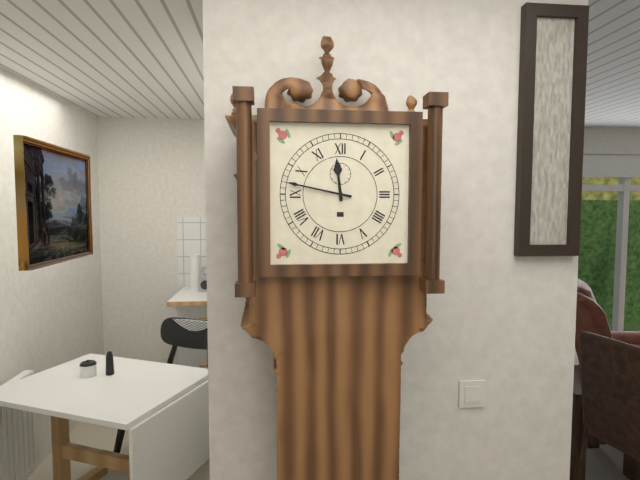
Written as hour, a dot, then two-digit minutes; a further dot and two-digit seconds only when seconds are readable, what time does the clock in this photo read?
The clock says 11.47
